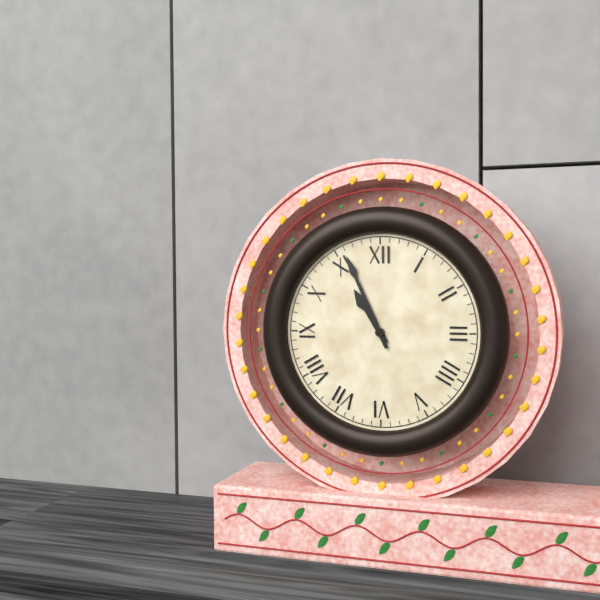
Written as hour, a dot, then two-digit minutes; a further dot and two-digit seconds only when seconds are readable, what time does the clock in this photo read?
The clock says 10.56
